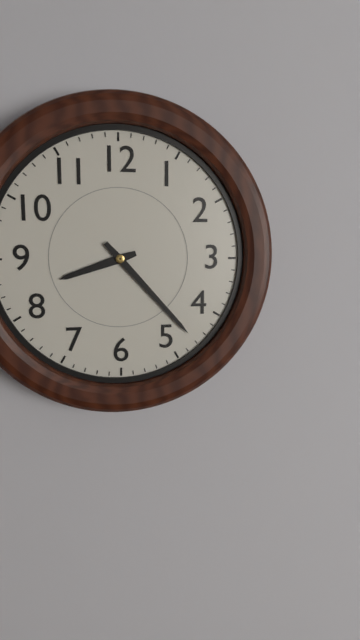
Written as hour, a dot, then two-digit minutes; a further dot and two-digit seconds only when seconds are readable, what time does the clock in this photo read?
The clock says 8.23
